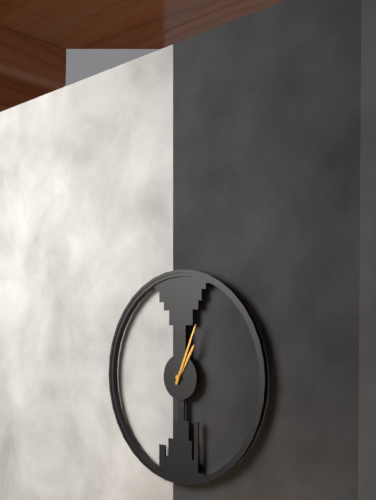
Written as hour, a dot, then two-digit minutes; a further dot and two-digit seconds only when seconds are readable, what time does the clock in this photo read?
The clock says 1.04
